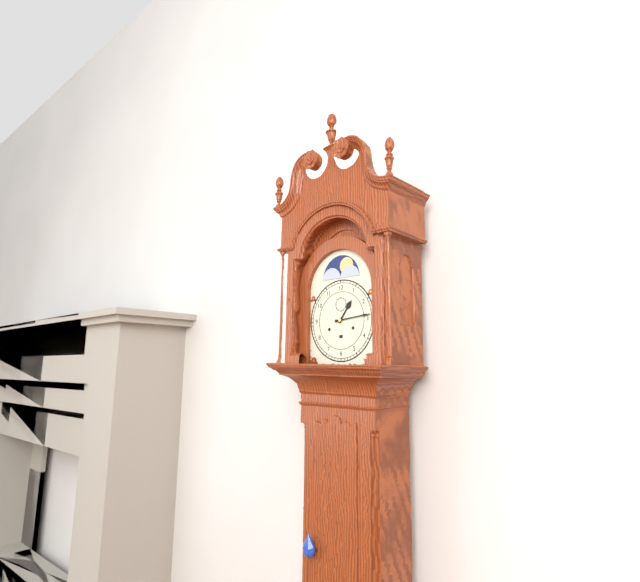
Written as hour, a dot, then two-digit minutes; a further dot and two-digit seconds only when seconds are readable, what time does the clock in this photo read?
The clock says 1.14
